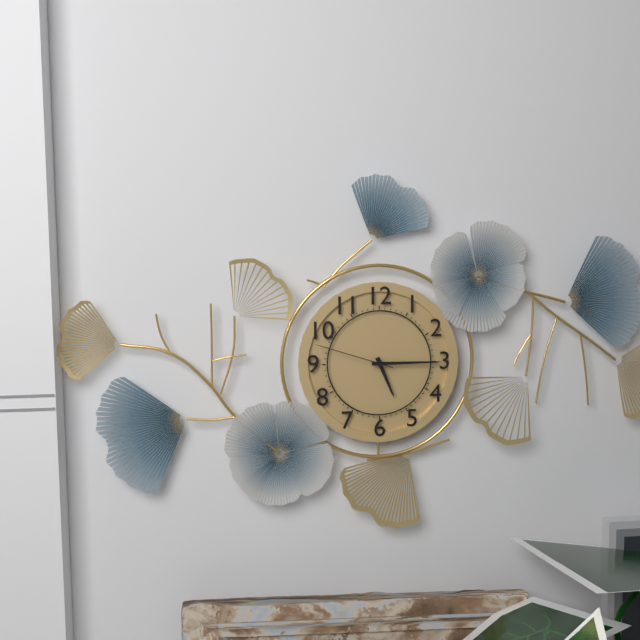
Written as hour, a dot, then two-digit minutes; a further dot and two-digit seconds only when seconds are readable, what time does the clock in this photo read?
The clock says 5.15.48
